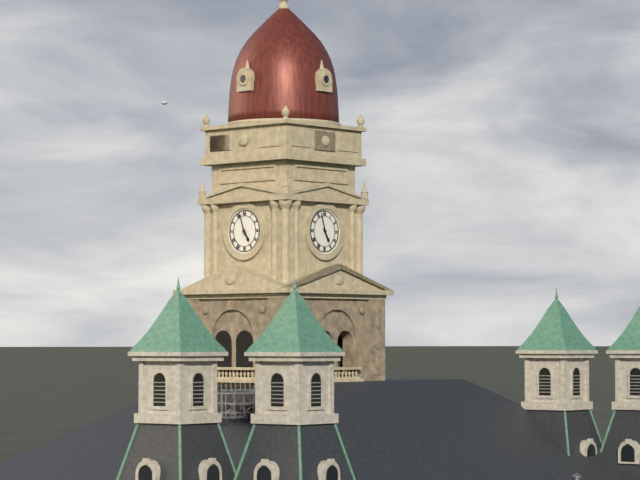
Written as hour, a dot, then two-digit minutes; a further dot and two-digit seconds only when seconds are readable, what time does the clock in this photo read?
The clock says 4.57
